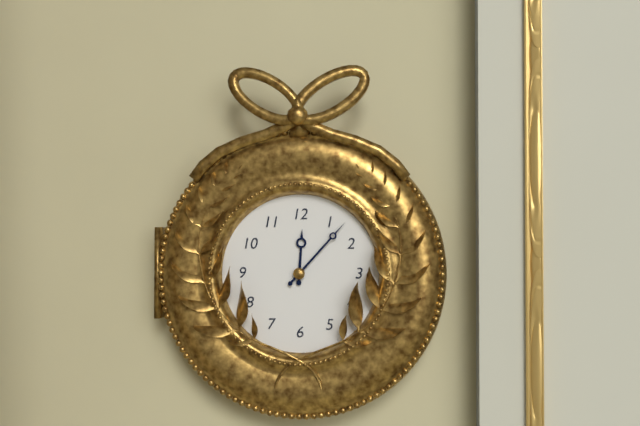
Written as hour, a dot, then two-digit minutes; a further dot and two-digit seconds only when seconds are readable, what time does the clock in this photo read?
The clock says 12.07
